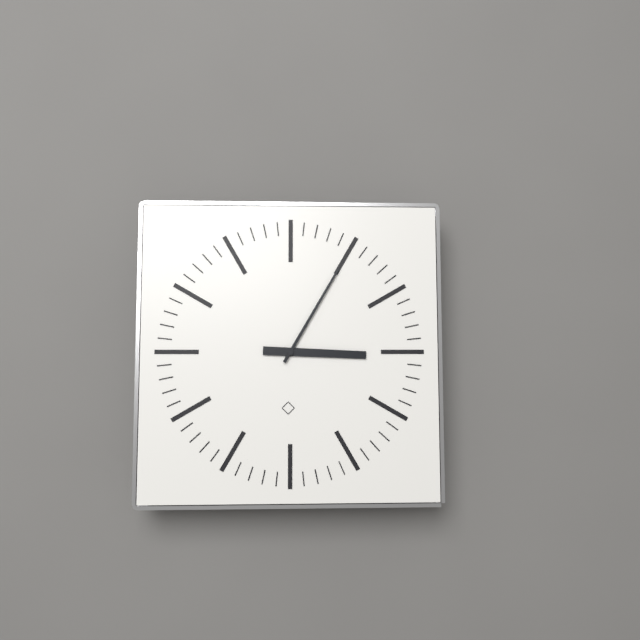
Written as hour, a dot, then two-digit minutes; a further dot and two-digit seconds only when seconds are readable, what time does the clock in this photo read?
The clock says 3.05
